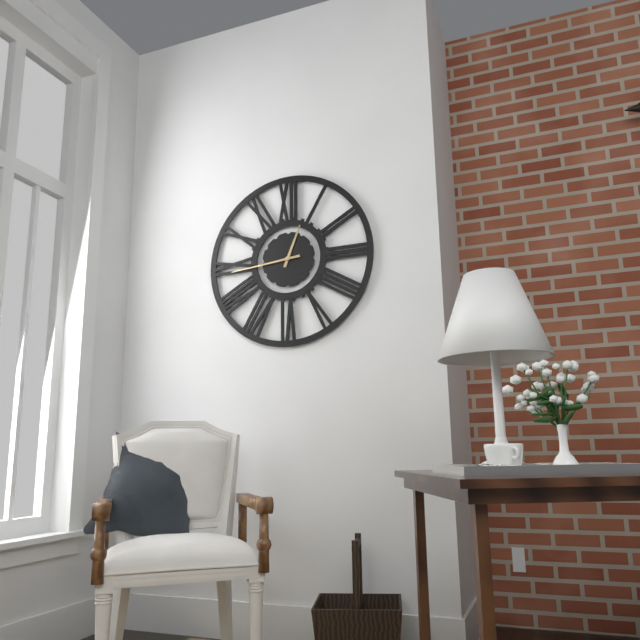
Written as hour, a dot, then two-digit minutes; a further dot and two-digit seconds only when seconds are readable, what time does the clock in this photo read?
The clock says 12.44
